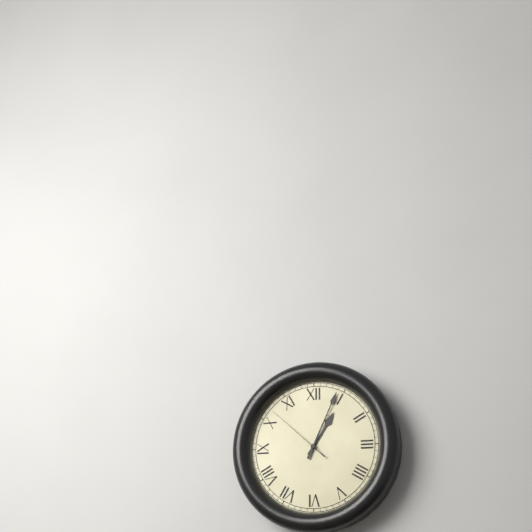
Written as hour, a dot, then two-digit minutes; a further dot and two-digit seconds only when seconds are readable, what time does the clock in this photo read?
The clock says 1.04.52
